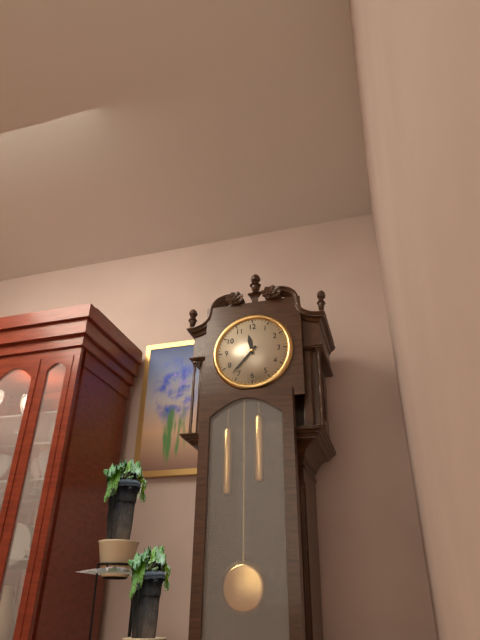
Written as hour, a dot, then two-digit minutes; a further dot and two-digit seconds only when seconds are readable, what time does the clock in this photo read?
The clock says 11.37
